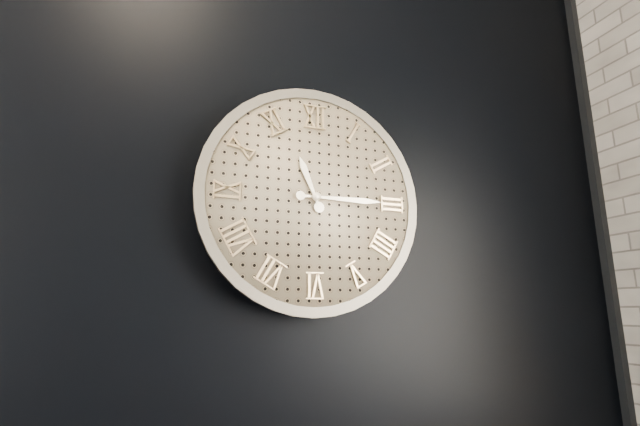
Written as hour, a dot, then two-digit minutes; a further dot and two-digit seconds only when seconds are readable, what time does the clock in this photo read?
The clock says 11.15
